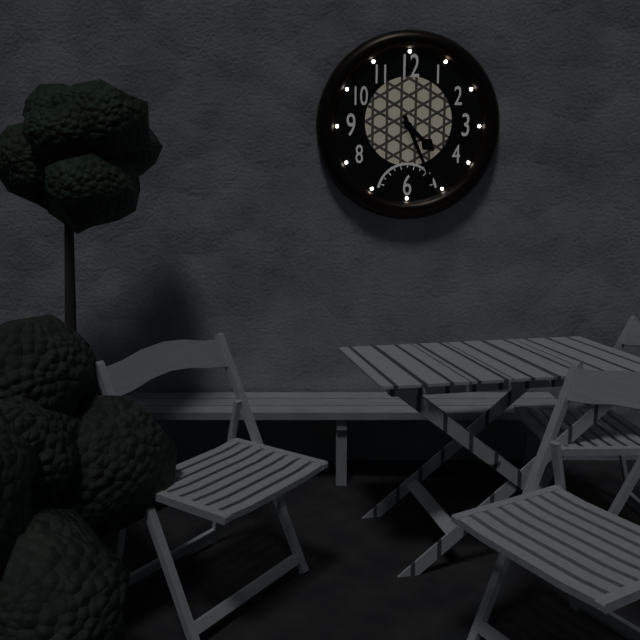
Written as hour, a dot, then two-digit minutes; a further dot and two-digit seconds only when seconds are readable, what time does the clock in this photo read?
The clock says 4.26
